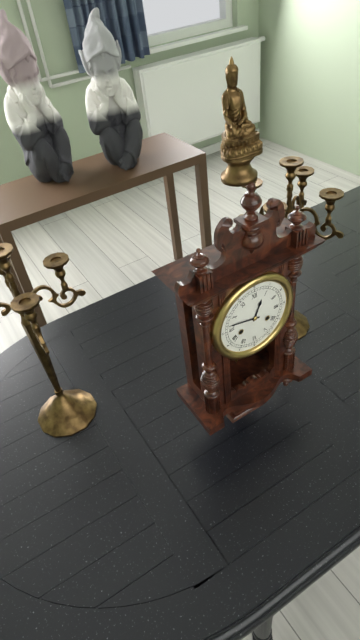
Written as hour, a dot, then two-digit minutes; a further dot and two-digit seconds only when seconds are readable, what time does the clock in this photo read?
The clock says 12.47
